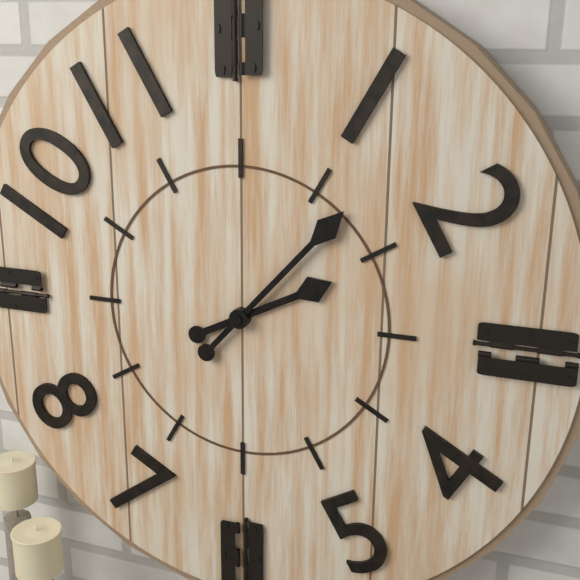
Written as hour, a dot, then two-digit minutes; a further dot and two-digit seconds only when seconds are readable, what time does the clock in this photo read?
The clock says 2.07
